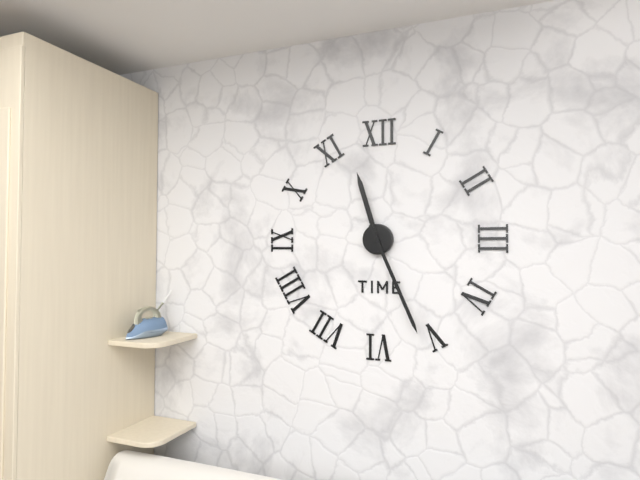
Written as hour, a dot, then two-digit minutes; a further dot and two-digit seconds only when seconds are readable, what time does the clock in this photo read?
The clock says 11.26
